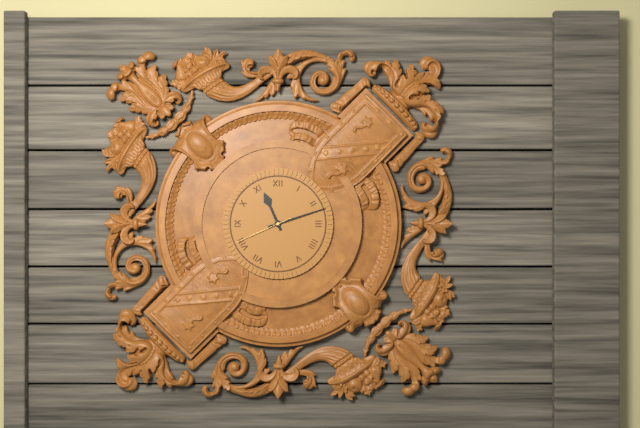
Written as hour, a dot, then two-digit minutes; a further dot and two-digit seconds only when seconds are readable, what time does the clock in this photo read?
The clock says 11.12.41
